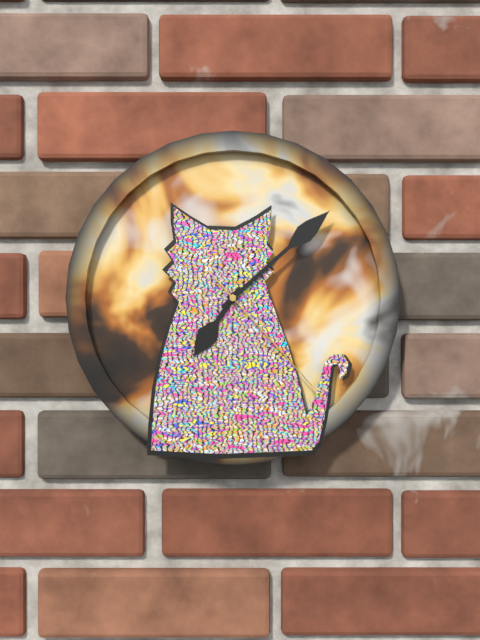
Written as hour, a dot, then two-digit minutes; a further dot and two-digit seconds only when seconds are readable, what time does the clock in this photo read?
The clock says 7.08.23
